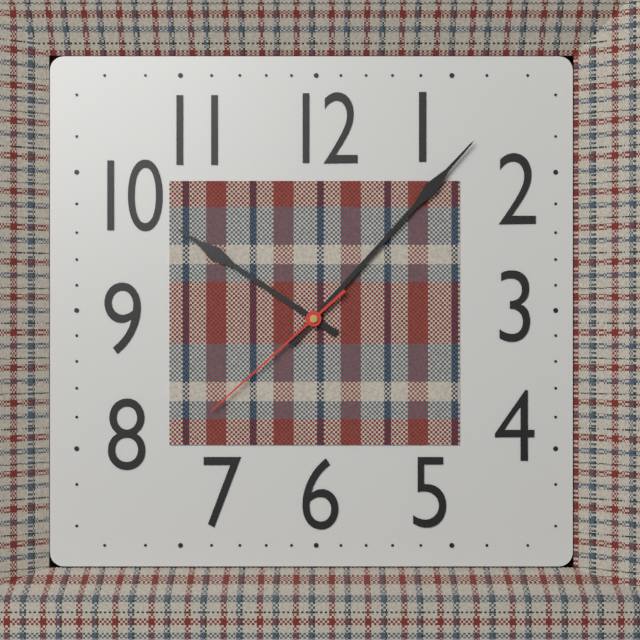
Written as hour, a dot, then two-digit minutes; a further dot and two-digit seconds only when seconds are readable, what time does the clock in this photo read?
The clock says 10.07.38
